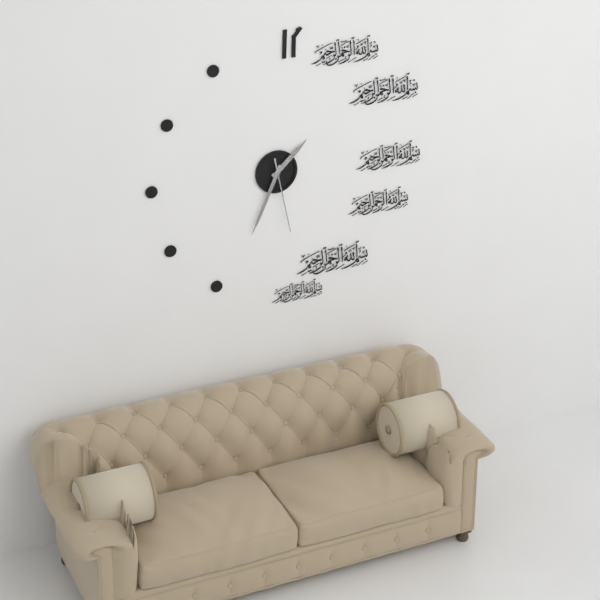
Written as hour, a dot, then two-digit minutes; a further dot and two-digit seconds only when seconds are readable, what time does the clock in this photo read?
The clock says 1.34.28
